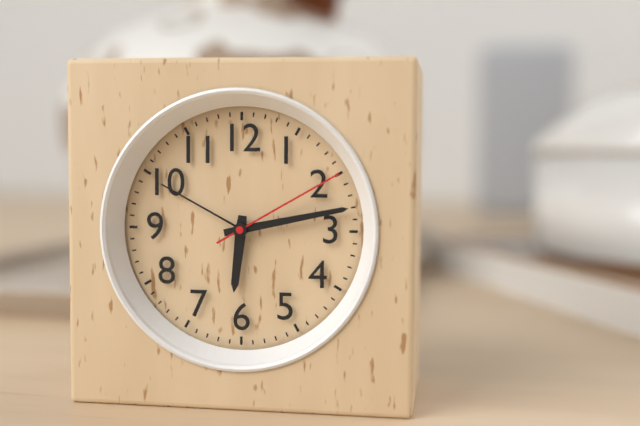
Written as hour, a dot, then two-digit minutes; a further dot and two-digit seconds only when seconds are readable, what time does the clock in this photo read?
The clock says 6.13.10
